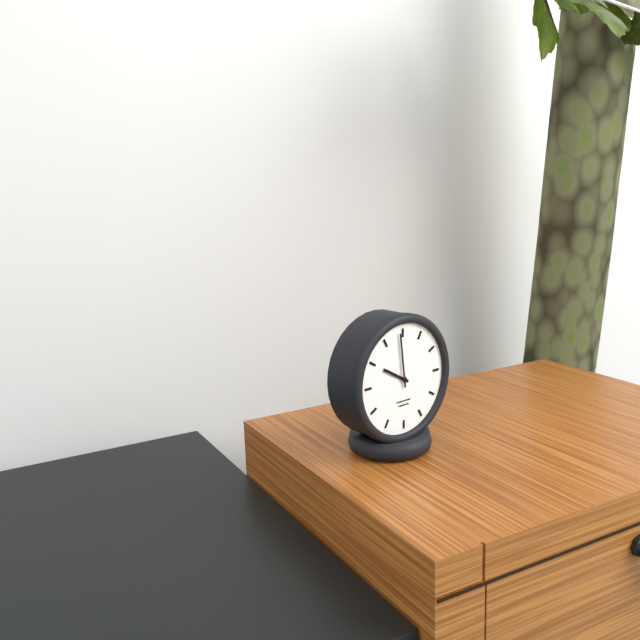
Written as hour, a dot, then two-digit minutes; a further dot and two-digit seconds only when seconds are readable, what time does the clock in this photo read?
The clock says 9.59
